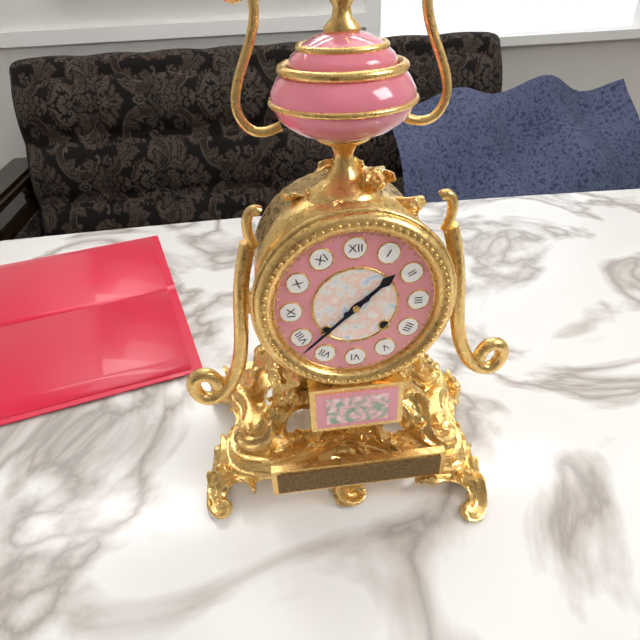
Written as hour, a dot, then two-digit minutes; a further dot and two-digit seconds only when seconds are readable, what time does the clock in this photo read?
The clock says 1.38
